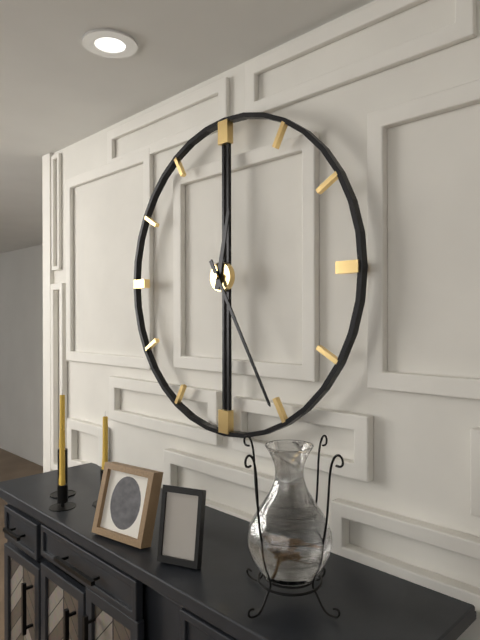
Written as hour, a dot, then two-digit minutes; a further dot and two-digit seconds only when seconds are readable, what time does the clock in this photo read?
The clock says 12.25
